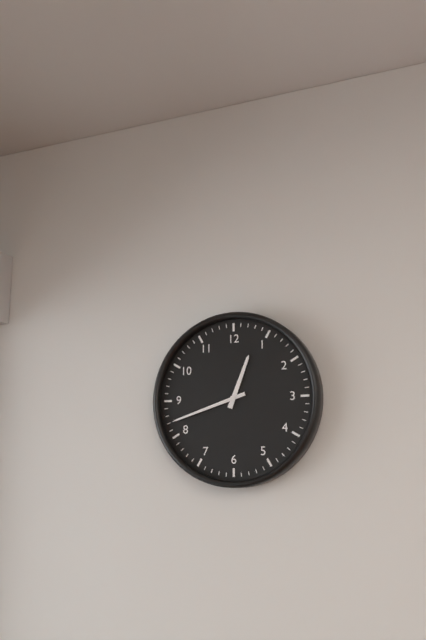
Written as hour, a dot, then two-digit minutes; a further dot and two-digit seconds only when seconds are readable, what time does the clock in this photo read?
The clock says 12.42
